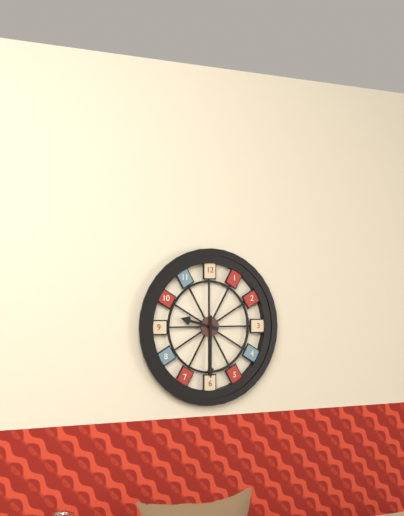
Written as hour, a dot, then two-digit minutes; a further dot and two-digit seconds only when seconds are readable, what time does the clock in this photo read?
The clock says 9.30
